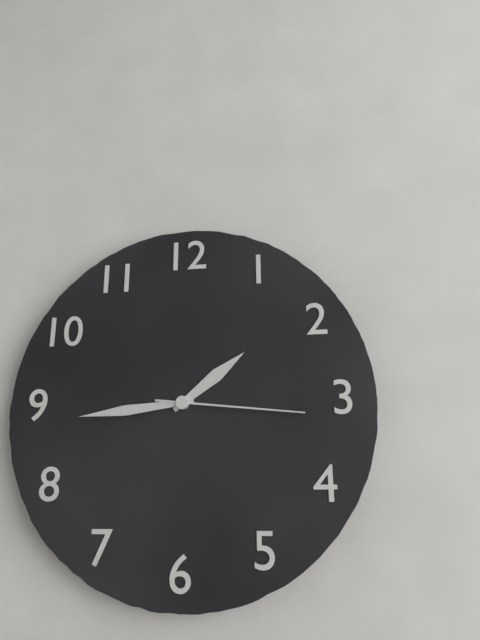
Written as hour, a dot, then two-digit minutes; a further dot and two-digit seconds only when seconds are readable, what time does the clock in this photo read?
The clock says 1.44.16
